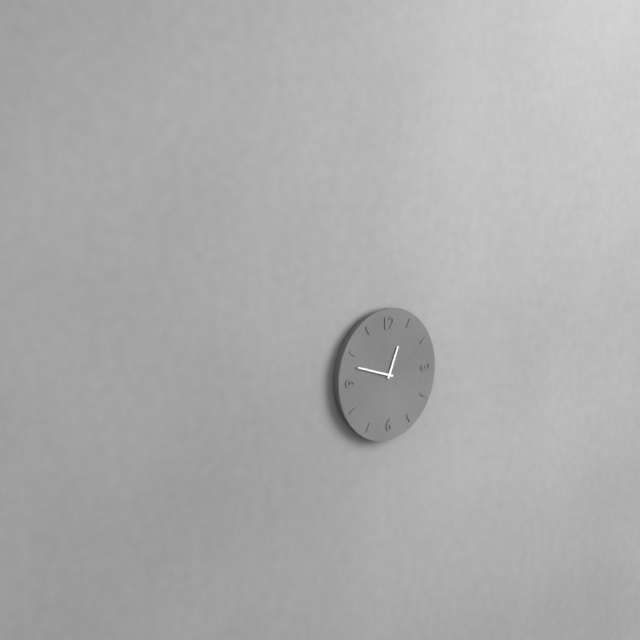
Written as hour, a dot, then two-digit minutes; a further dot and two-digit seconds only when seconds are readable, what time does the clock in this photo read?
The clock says 12.48
